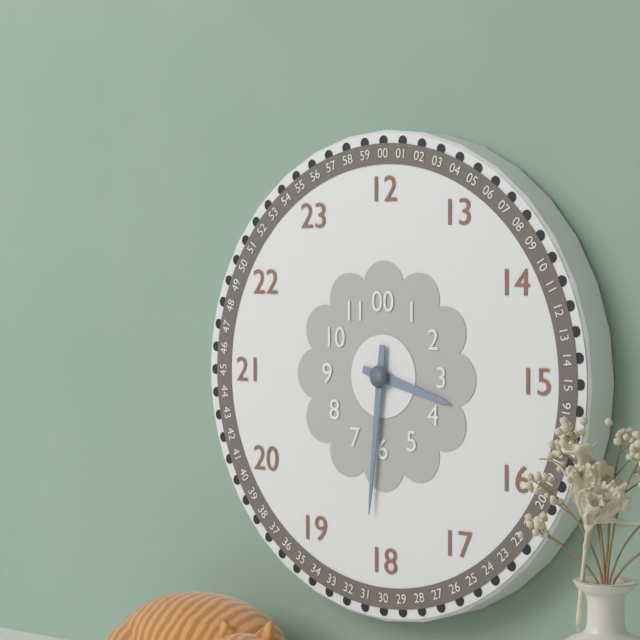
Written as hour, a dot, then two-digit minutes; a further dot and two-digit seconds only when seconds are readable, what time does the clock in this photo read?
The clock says 3.31
